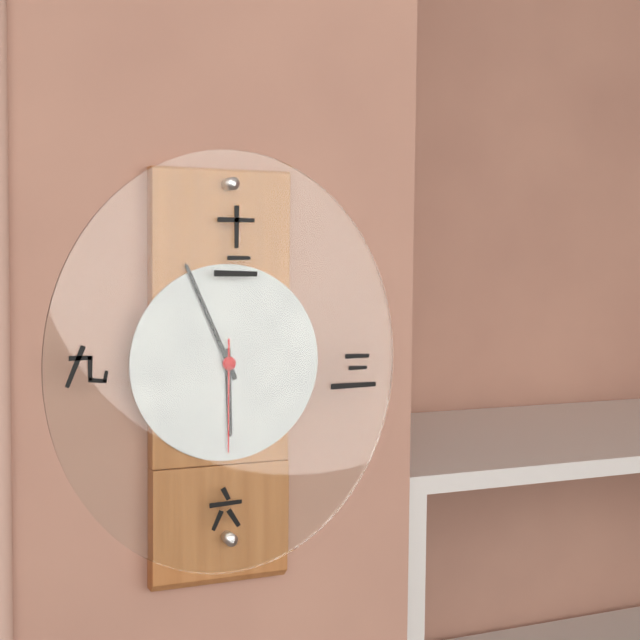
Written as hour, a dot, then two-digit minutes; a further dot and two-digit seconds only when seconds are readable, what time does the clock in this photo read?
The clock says 5.56.30
